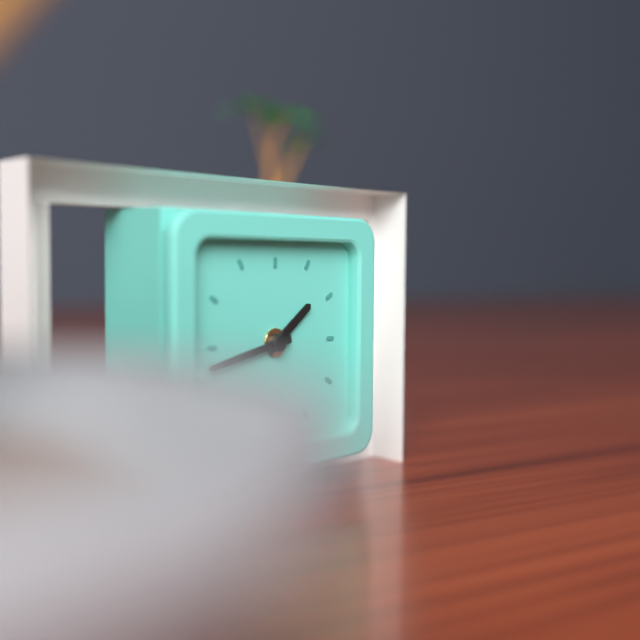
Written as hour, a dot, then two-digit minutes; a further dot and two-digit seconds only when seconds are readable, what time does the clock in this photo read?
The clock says 1.43
